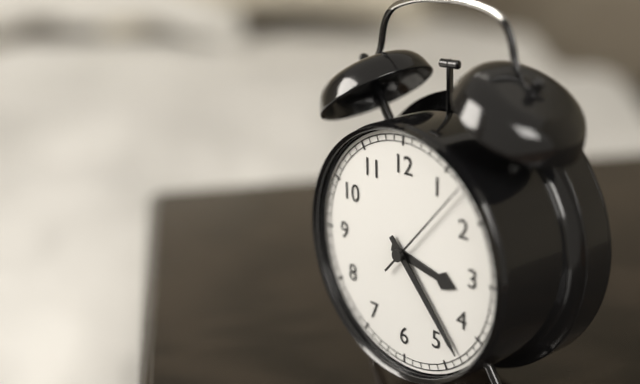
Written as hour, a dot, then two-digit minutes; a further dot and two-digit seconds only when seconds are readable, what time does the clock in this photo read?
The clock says 3.23.07
